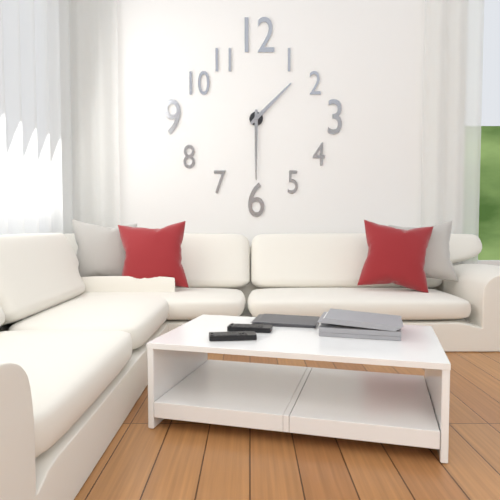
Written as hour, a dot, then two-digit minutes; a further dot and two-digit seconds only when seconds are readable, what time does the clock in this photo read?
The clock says 1.30
